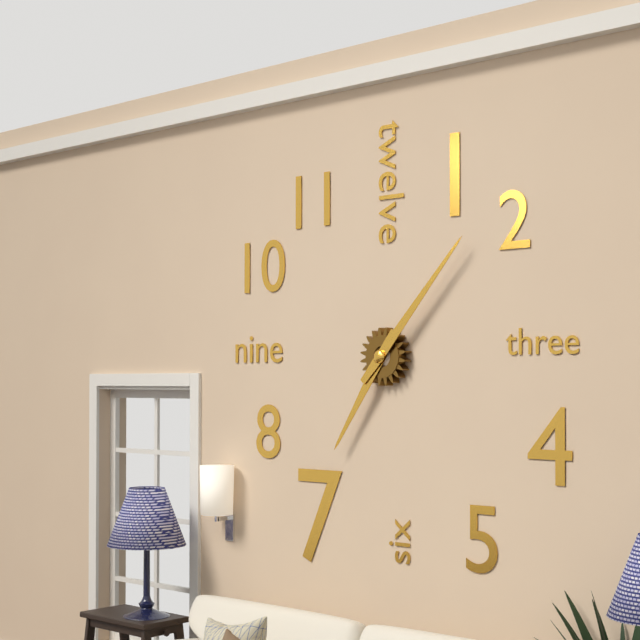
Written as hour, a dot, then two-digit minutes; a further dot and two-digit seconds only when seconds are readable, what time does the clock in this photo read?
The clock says 7.07
